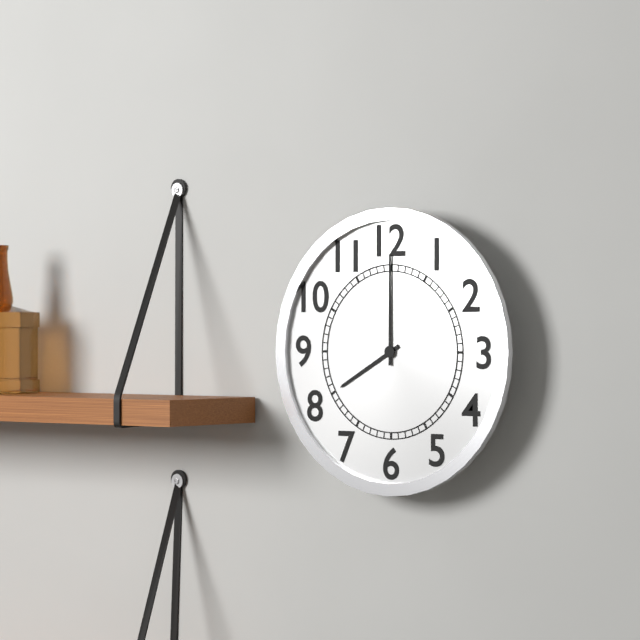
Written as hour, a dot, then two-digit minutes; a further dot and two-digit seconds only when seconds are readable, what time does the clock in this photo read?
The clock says 8.00
